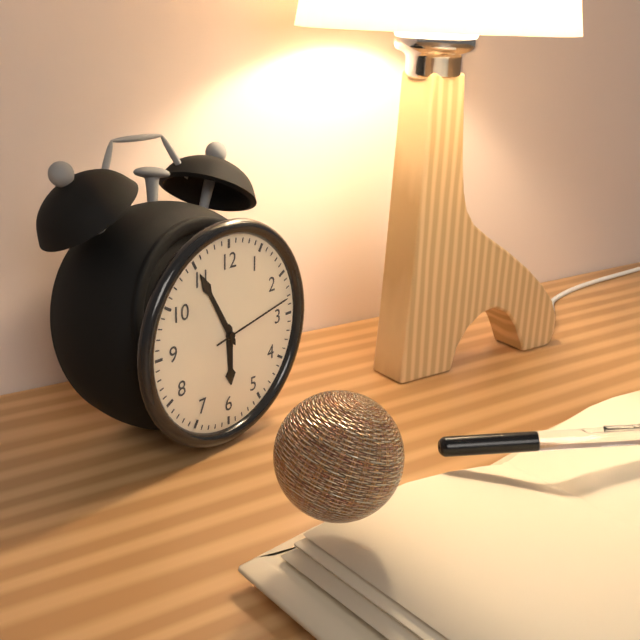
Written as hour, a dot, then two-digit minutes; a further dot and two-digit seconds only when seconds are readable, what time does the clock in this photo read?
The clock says 5.55.13
